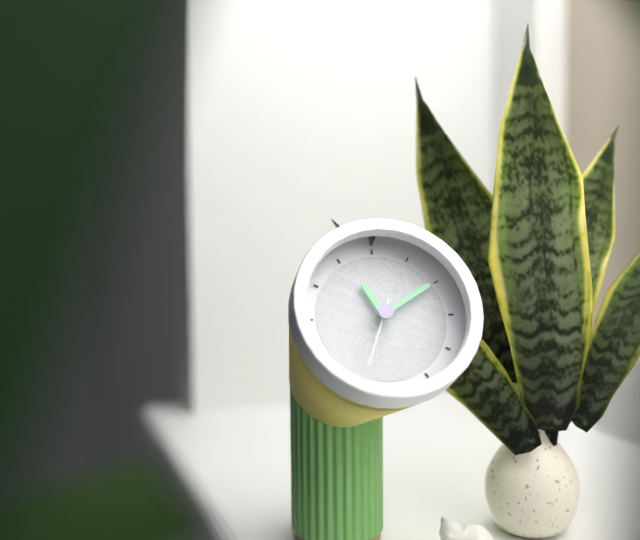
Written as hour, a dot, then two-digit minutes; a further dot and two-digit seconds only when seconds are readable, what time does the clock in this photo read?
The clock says 11.10.34
